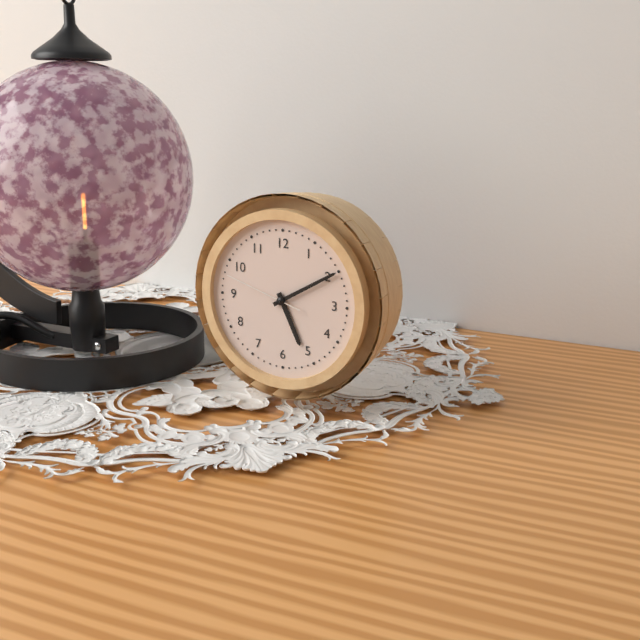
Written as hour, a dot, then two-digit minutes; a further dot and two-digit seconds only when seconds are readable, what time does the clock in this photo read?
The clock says 5.10.48
